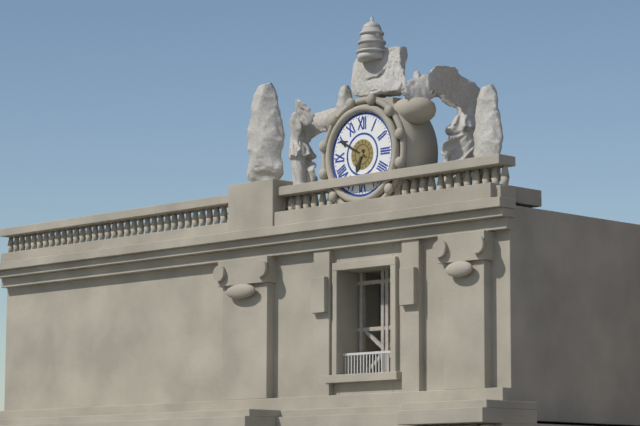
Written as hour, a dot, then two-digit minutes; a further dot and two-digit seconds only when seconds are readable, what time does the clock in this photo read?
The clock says 6.50
